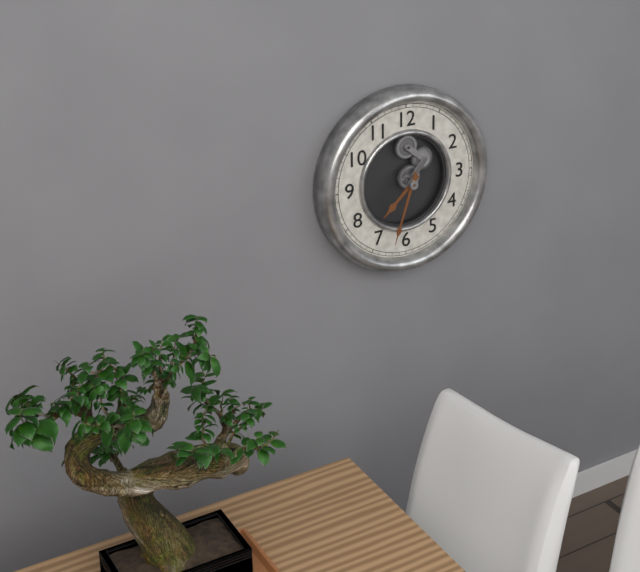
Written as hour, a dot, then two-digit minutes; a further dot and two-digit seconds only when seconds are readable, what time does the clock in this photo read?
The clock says 7.33
